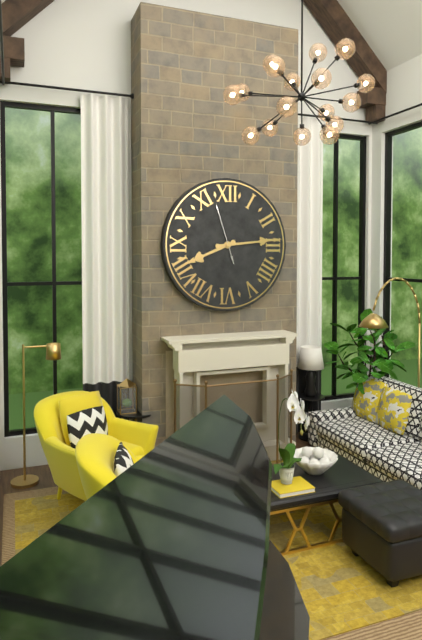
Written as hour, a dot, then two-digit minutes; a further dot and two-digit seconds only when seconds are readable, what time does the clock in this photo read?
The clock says 8.14.57
